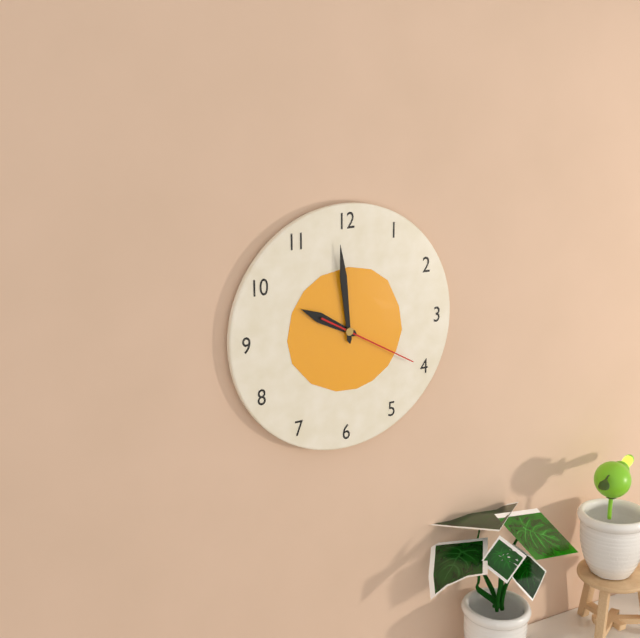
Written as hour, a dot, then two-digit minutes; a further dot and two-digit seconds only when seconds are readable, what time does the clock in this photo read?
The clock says 9.59.20
